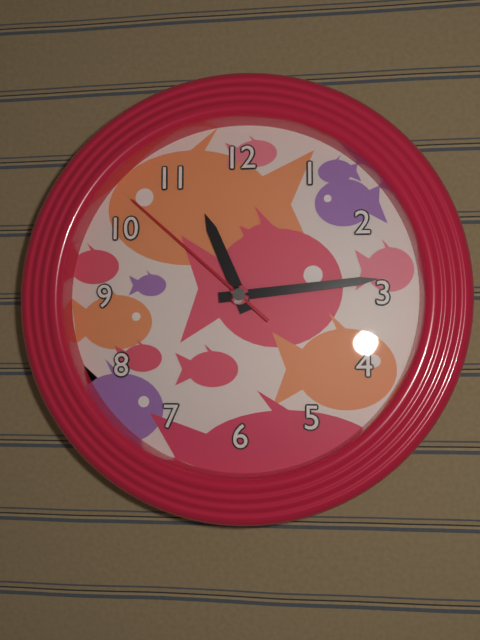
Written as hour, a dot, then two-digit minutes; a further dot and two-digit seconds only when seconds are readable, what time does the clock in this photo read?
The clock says 11.14.52
